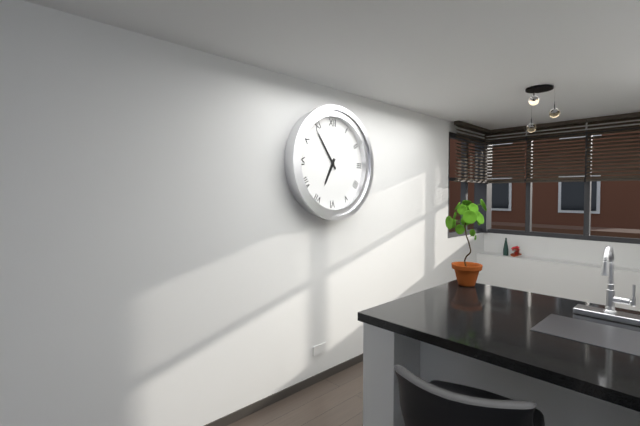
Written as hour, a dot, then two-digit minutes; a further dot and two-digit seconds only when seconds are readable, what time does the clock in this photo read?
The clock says 6.54
